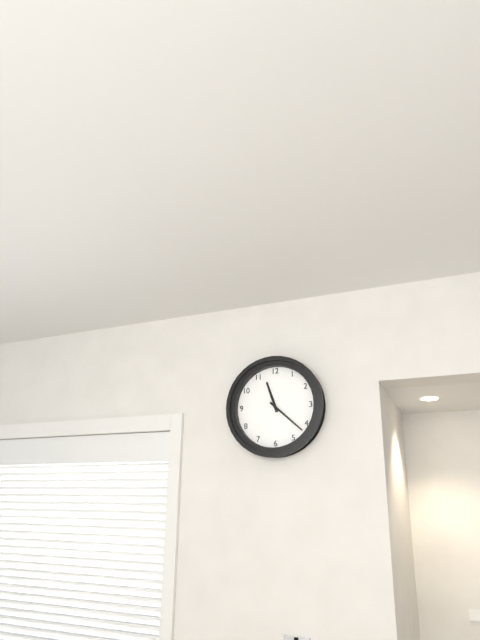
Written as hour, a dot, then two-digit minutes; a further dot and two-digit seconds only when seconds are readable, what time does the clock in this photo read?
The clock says 11.22
